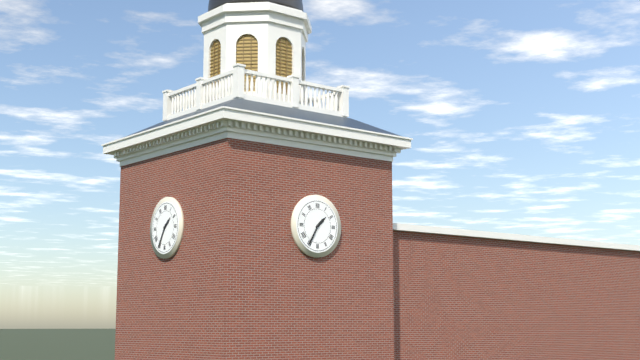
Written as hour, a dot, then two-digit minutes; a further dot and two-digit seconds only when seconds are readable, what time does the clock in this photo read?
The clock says 1.35
